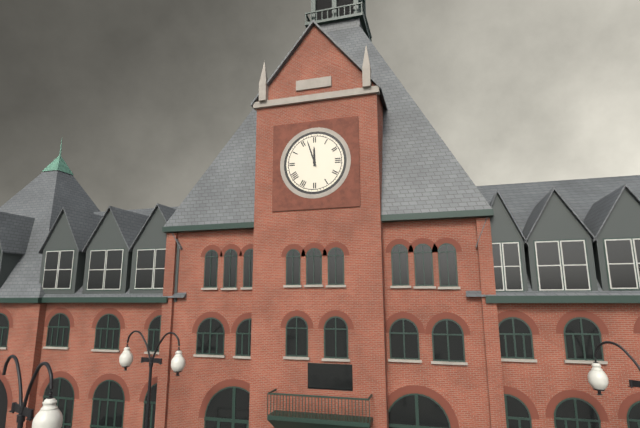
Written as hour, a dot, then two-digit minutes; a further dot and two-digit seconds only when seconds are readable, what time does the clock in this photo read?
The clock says 11.57
